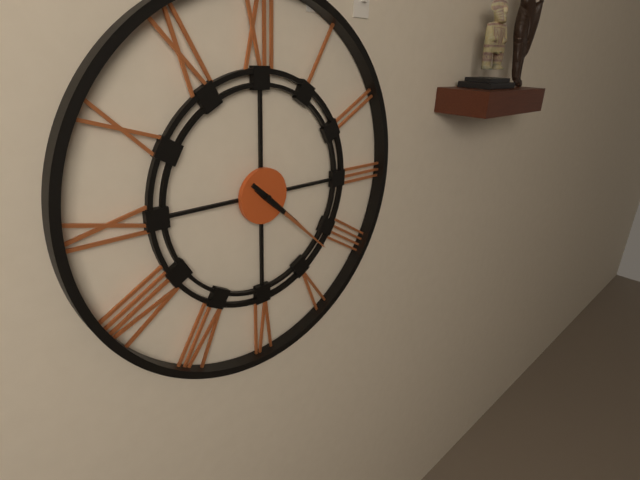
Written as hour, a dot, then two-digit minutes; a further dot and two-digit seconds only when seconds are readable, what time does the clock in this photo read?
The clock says 4.22
